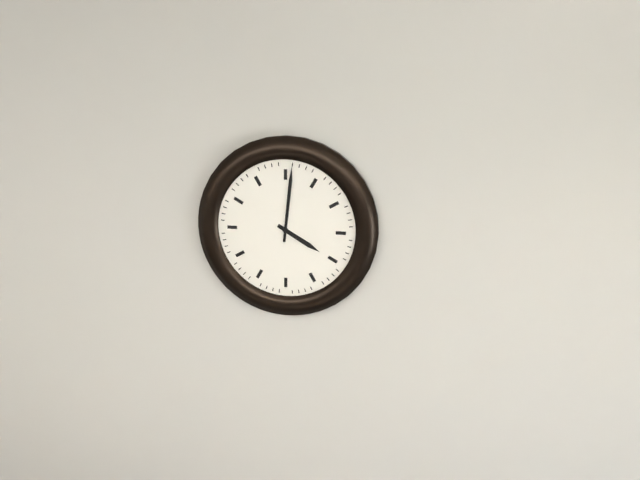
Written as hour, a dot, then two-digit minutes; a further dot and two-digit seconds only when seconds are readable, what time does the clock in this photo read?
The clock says 4.01
